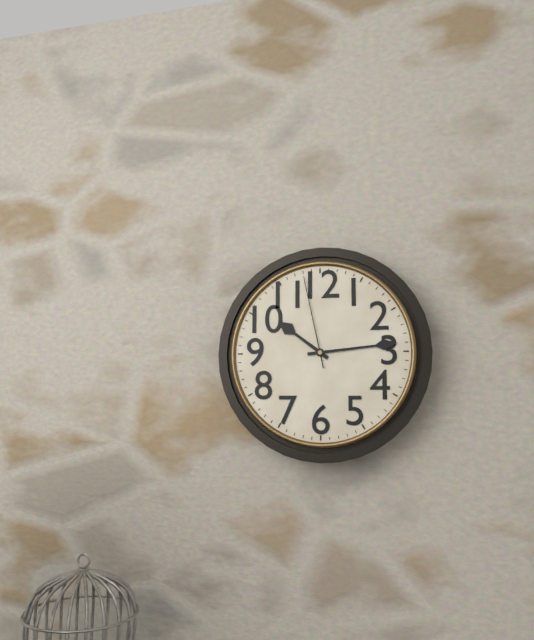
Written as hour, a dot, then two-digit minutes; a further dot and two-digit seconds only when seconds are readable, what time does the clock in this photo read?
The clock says 10.14.58
